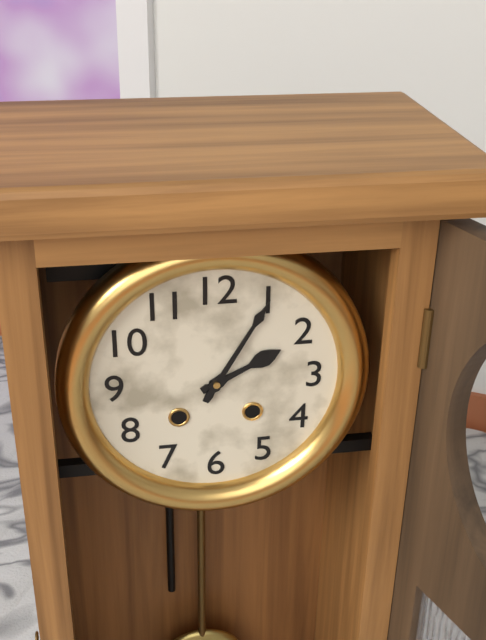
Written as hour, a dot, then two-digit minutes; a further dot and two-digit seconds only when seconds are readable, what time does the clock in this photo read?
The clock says 2.05
